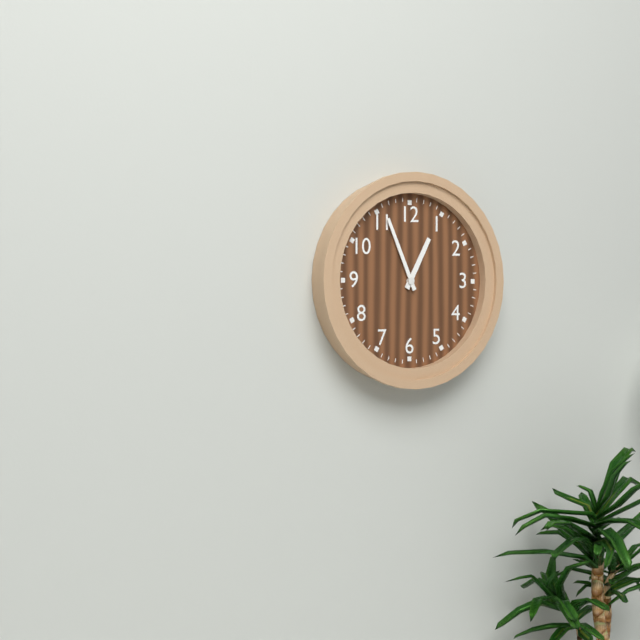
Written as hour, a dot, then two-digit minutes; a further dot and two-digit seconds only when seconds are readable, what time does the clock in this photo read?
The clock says 12.56
